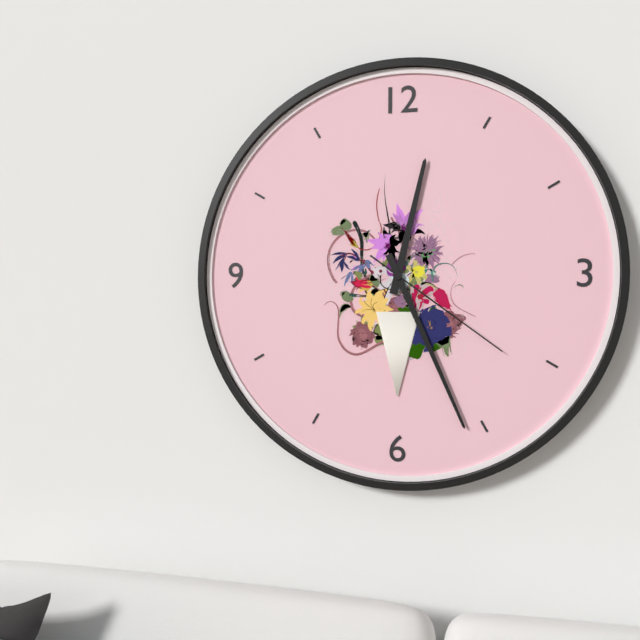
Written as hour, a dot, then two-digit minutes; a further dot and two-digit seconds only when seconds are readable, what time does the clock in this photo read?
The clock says 12.26.21
